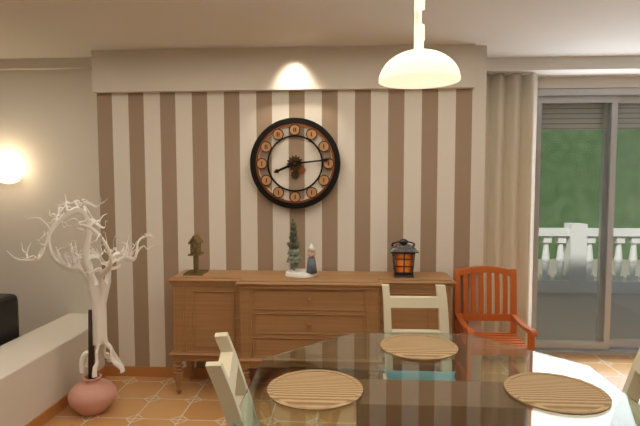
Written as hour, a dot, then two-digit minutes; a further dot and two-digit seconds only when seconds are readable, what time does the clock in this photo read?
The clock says 8.14
